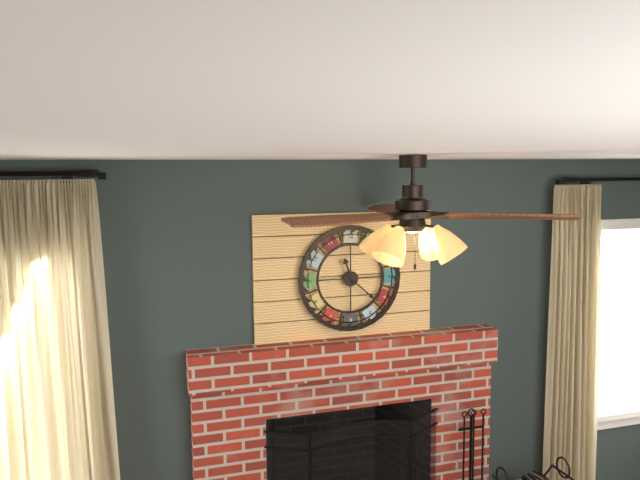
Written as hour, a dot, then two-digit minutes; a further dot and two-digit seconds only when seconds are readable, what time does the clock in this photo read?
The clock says 11.22
